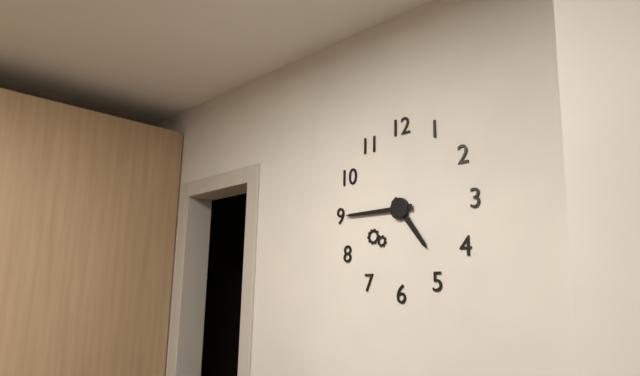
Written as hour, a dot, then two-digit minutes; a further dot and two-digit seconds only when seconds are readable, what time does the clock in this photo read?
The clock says 4.45
